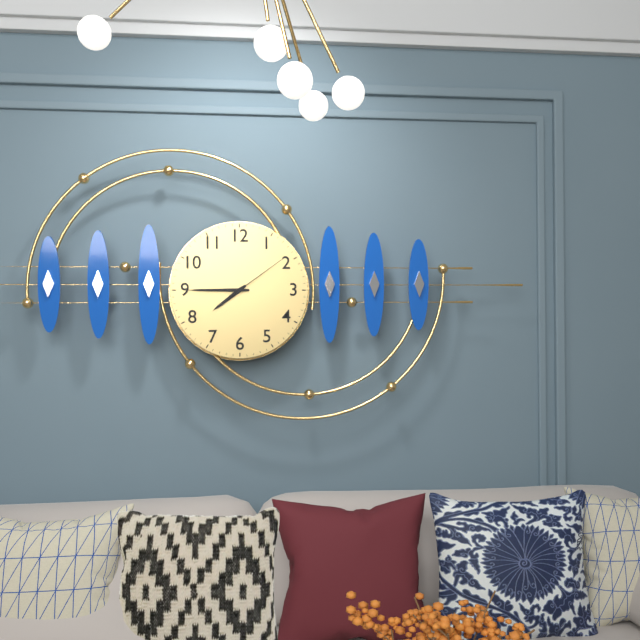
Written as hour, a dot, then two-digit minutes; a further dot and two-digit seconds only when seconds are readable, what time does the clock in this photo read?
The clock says 7.45.09
